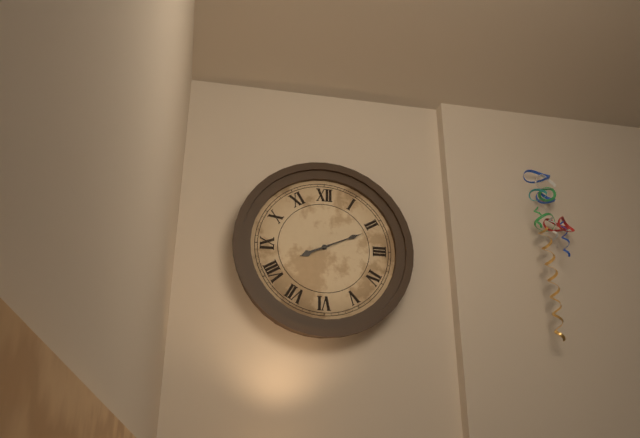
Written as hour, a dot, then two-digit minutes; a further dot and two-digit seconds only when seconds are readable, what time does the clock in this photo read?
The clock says 8.11
